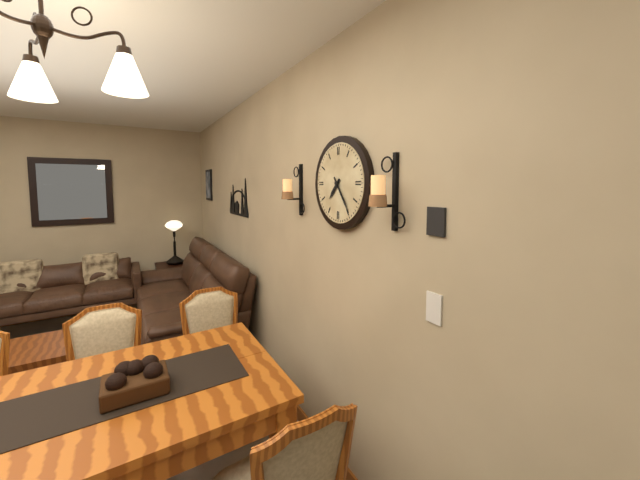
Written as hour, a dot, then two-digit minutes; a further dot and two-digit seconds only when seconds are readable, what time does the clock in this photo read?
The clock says 7.24
